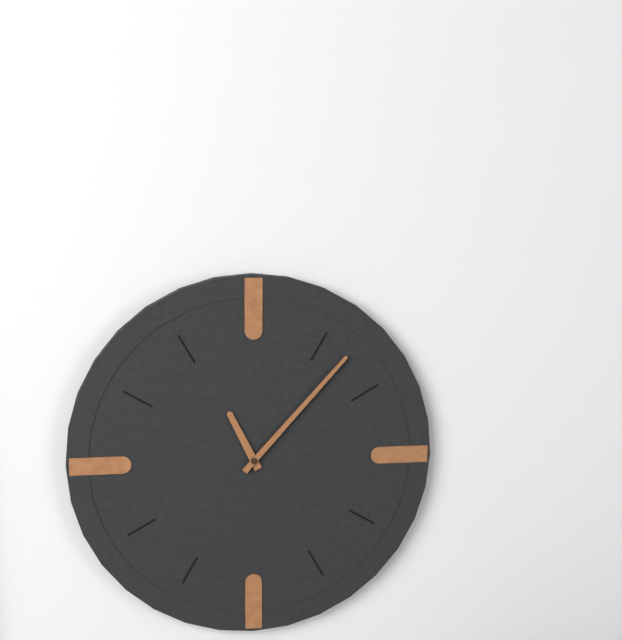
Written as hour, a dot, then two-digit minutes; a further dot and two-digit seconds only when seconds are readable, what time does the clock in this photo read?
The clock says 11.07
